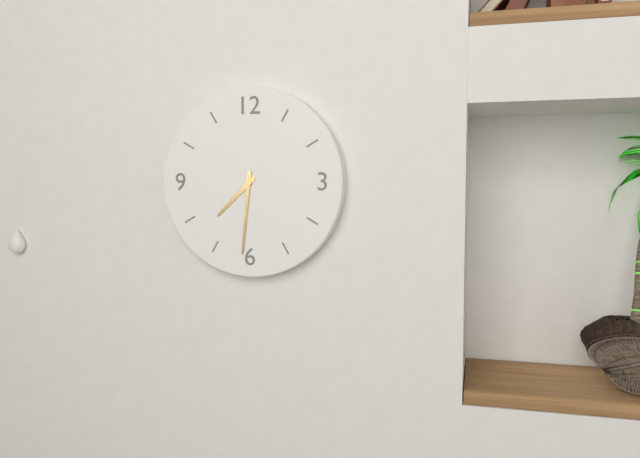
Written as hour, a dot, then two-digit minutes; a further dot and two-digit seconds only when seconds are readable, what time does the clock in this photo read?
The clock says 7.31
